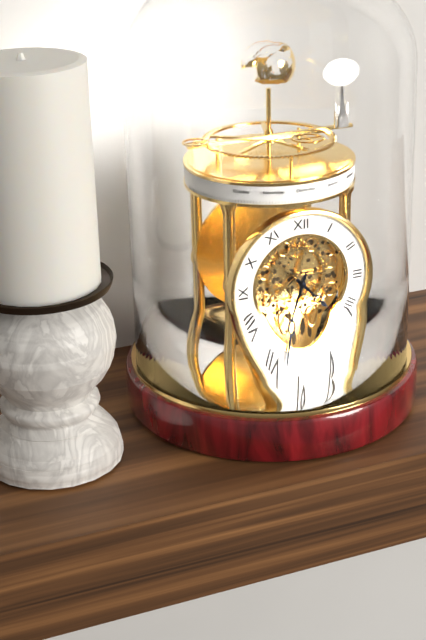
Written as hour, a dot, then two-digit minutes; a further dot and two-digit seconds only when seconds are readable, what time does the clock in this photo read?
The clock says 4.33
